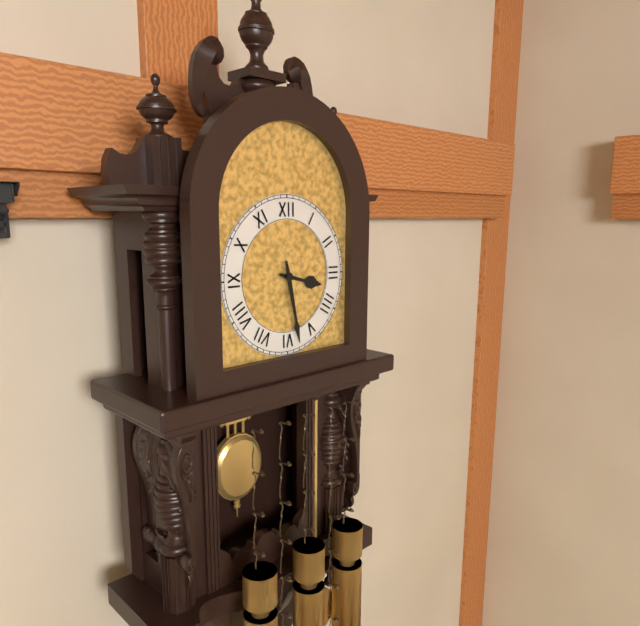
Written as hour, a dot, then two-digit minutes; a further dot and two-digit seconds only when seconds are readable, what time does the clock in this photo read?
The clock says 3.28
